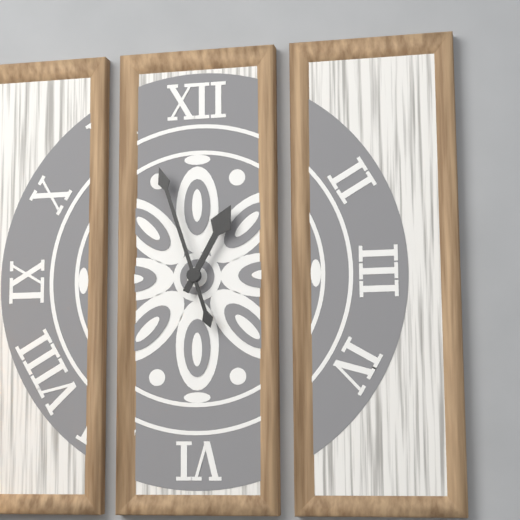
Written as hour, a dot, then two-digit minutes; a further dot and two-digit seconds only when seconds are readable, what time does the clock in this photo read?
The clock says 12.57
